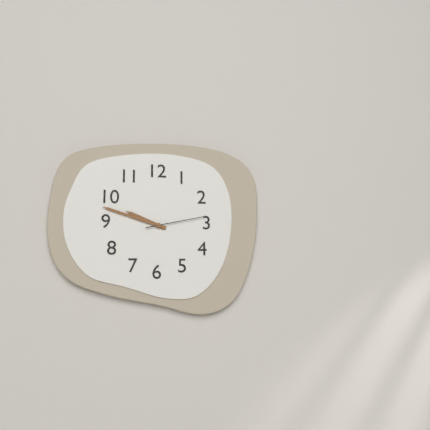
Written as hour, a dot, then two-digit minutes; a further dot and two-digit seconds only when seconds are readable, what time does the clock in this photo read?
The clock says 9.48.13
